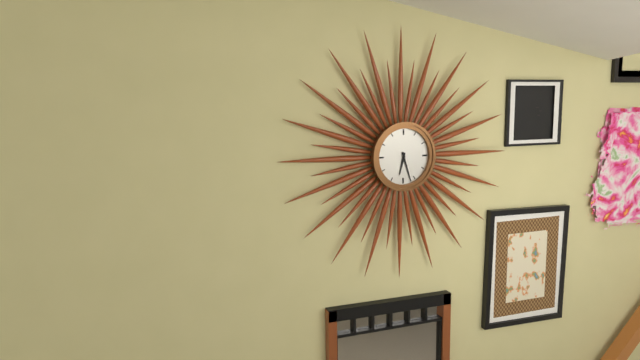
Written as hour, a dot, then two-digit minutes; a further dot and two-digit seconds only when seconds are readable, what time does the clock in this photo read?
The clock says 6.27
